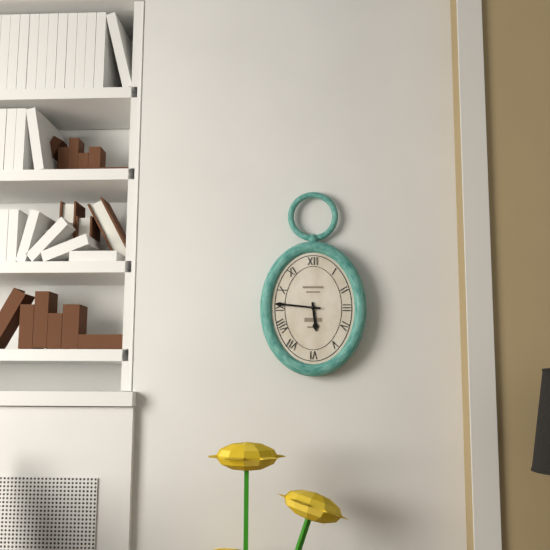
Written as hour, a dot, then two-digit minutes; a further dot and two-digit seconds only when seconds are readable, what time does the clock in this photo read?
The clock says 5.46
